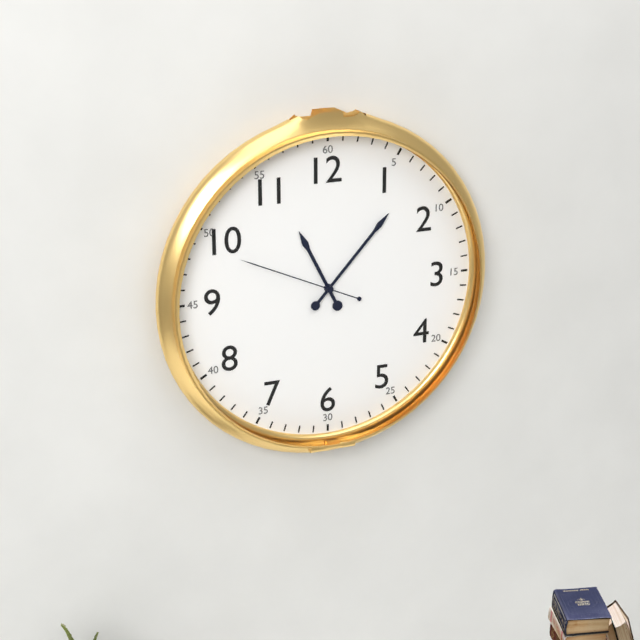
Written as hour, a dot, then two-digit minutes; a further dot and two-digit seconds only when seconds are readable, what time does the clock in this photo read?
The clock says 11.07.49
